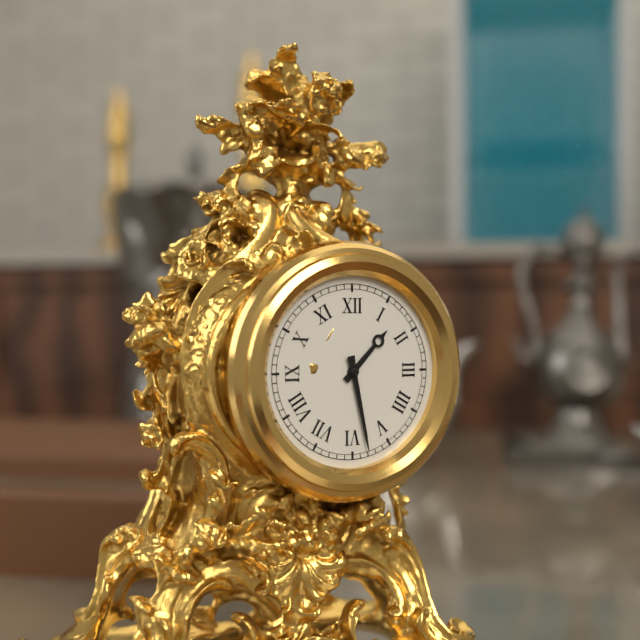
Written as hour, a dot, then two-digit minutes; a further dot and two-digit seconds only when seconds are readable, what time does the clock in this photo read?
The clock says 1.28
